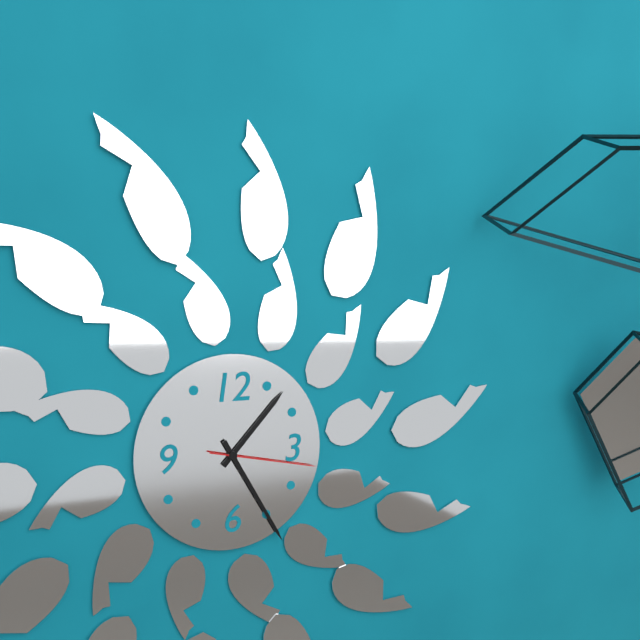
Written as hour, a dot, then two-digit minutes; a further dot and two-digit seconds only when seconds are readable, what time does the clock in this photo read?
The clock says 1.25.17
